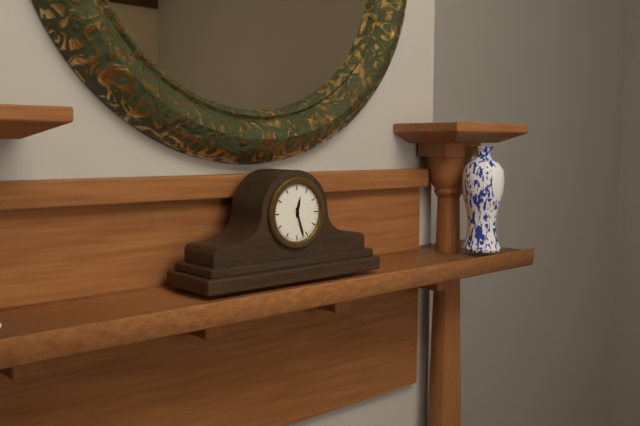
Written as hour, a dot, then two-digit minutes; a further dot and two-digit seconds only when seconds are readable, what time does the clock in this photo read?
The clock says 12.27
